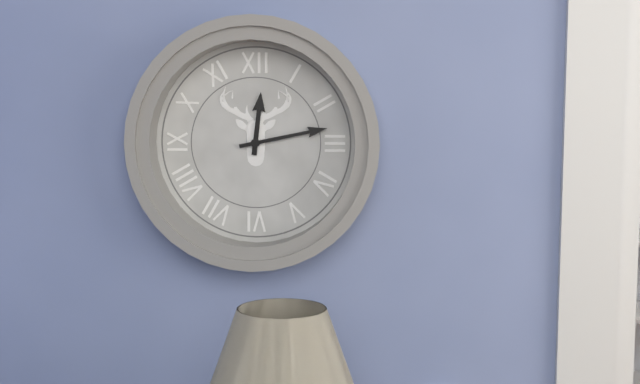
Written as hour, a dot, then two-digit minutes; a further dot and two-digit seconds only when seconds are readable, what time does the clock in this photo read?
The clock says 12.13
